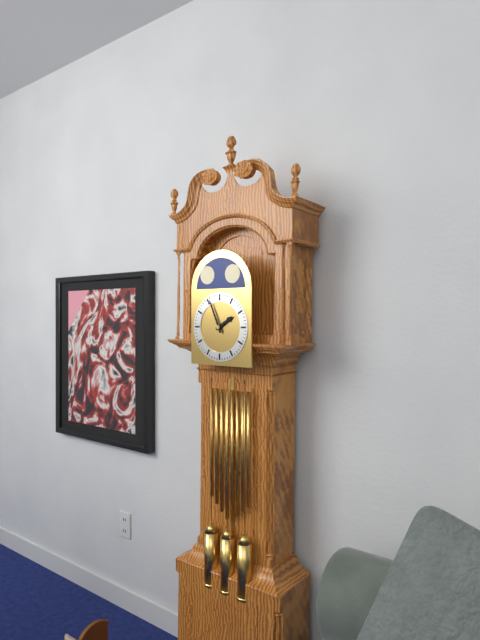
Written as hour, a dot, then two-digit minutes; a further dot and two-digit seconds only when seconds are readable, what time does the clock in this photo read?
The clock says 1.56
